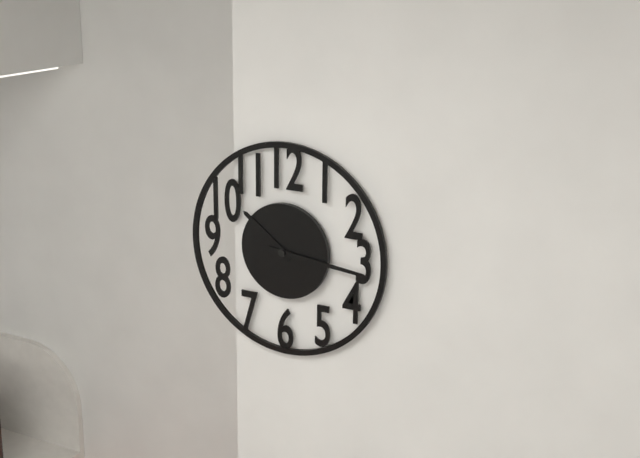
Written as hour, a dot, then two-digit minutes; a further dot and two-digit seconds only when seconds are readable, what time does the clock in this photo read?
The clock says 10.16
